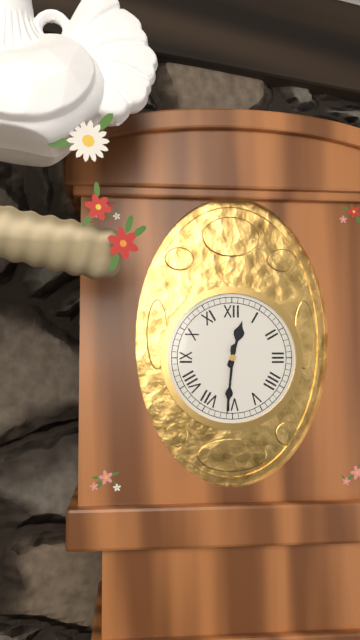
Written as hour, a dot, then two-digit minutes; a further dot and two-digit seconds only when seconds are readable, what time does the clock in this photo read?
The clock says 12.31
